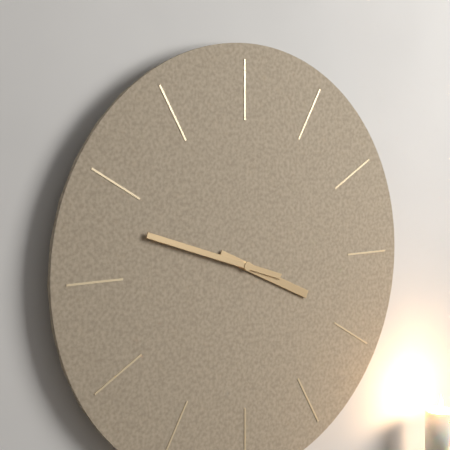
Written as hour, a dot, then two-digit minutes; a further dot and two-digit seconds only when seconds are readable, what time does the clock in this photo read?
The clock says 3.48
